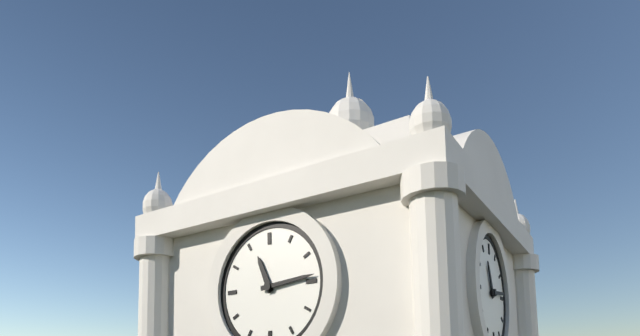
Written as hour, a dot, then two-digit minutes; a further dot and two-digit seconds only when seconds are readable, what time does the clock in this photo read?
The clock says 11.14
